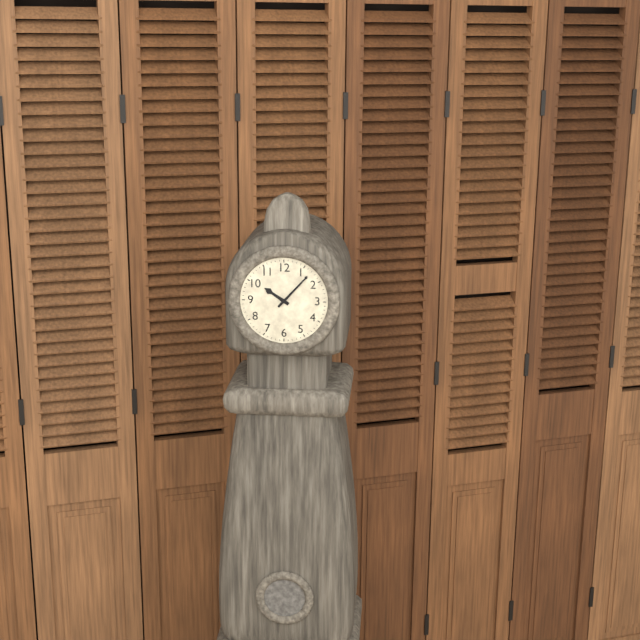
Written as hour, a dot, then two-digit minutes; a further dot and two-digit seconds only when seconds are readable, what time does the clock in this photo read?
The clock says 10.07
